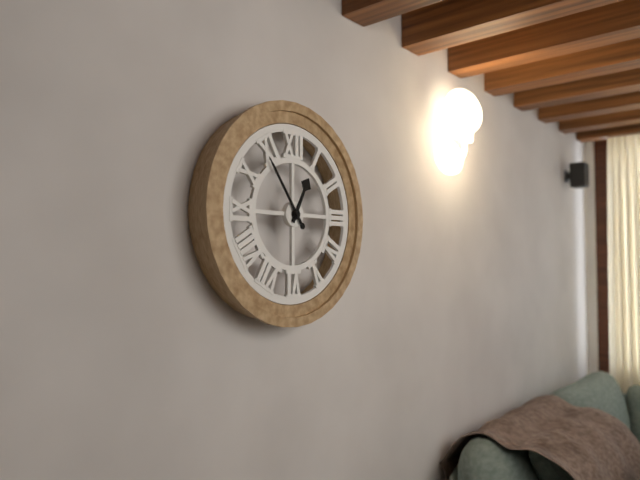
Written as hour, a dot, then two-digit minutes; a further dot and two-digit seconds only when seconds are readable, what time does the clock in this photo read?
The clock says 12.54
